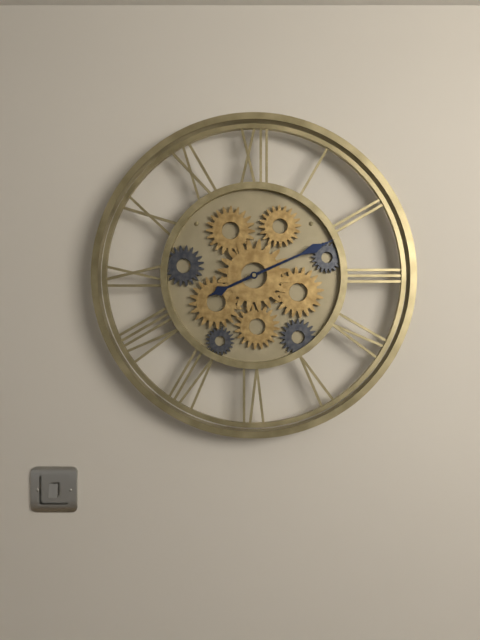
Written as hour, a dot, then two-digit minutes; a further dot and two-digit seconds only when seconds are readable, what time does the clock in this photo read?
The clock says 8.11
